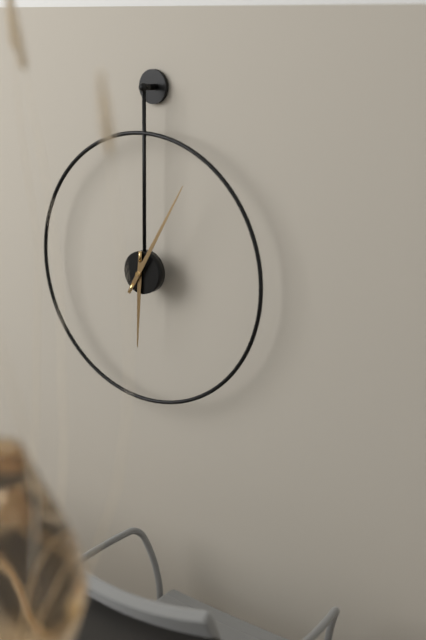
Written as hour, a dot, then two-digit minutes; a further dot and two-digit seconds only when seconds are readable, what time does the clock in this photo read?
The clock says 6.05
